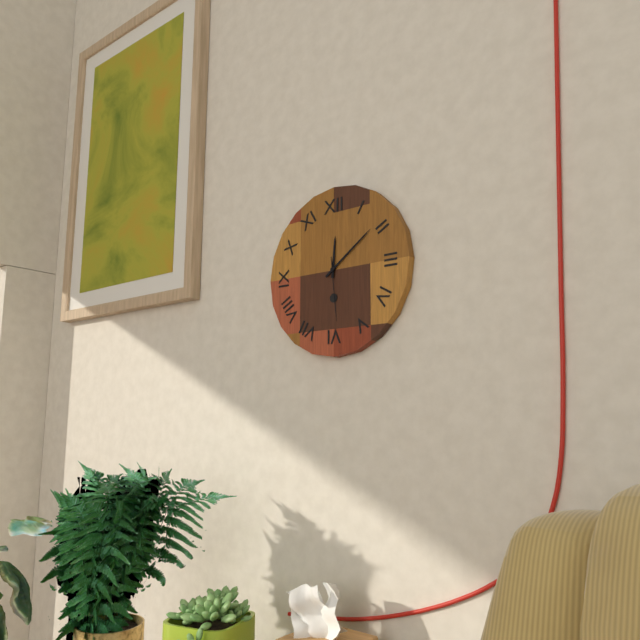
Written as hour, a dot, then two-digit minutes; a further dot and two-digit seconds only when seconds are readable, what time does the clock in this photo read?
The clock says 12.09.29
